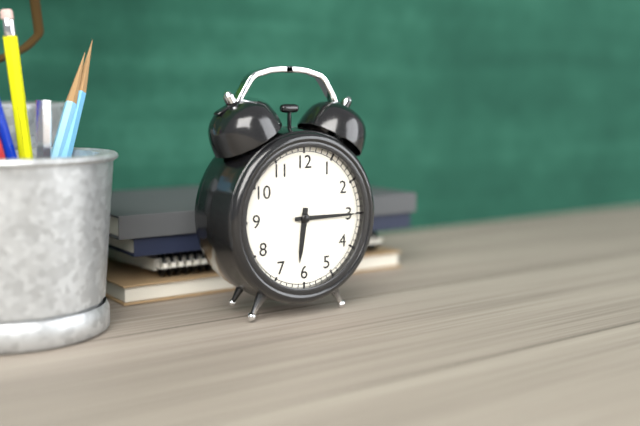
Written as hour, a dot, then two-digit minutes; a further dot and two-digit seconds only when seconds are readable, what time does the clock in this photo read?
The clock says 6.15
